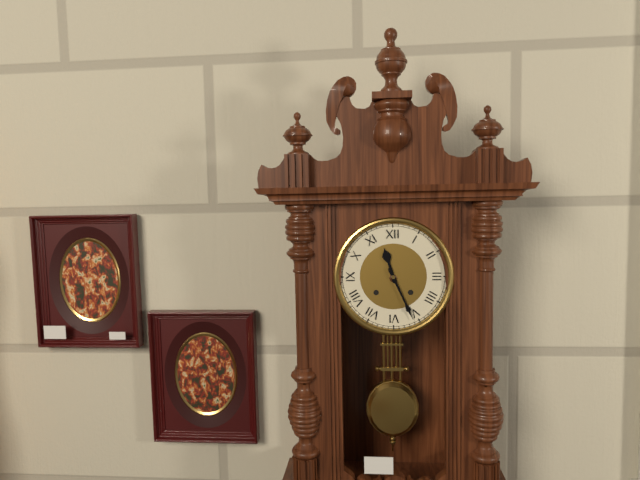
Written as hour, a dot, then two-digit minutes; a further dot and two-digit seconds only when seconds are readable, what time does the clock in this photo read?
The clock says 11.26
